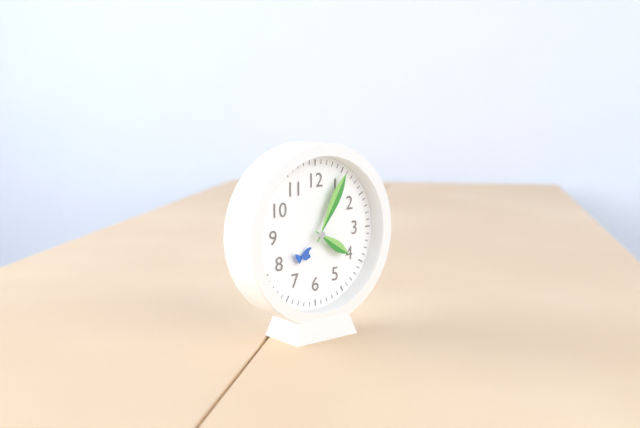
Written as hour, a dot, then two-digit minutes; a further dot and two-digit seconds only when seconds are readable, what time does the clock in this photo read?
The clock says 4.05
